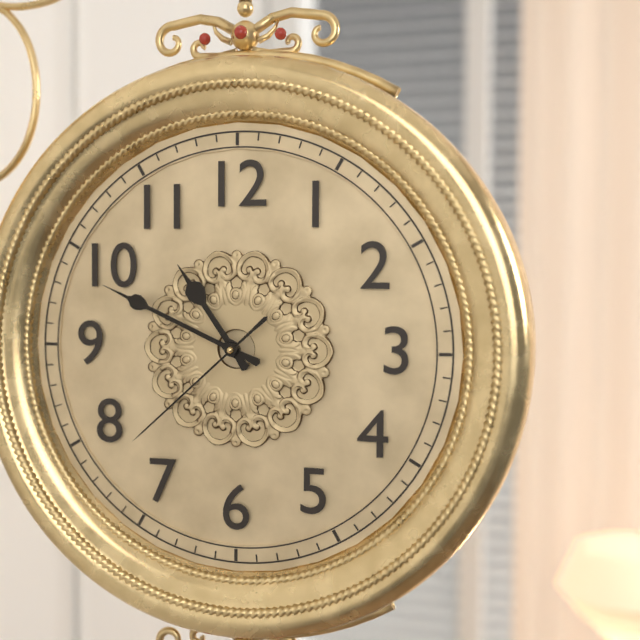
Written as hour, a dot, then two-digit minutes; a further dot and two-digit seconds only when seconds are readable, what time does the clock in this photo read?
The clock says 10.49.38
